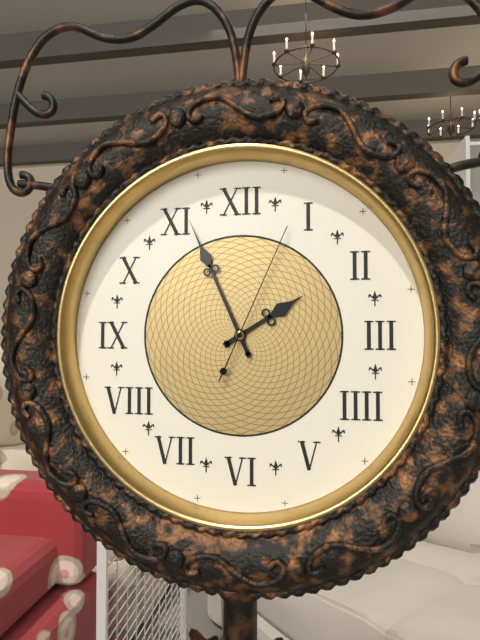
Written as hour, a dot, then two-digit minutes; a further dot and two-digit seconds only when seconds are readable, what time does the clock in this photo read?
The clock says 1.56.04
